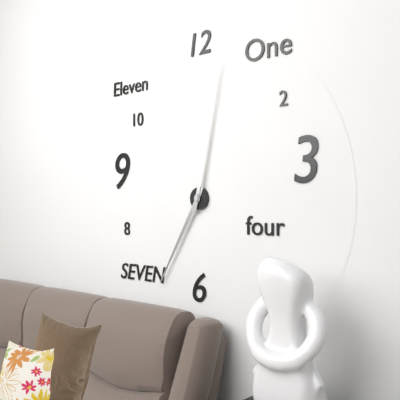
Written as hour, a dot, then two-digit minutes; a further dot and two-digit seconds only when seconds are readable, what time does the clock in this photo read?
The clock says 7.02
